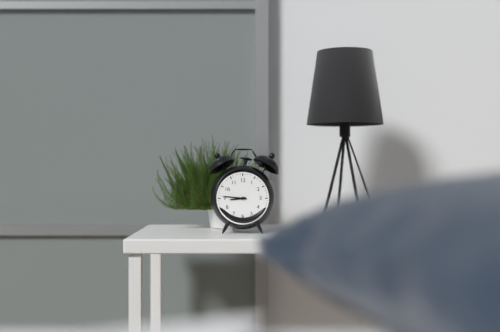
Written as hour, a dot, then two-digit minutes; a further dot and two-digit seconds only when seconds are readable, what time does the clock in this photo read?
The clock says 8.46
